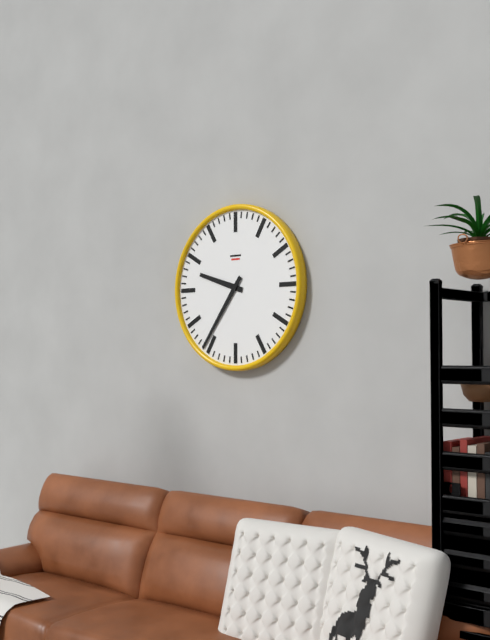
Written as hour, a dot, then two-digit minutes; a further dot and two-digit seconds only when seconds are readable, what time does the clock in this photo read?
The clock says 9.36
